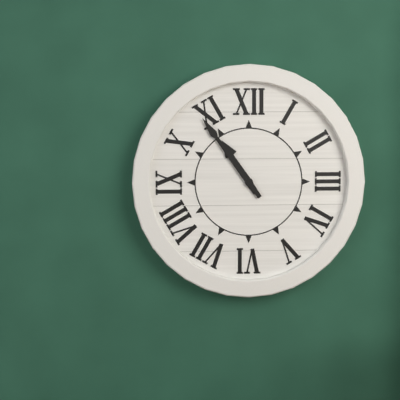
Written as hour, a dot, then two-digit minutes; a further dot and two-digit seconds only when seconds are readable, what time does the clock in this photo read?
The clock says 10.54
